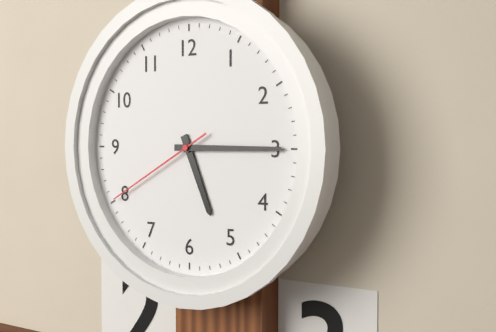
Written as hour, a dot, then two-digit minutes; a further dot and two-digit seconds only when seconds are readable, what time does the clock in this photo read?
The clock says 5.15.40
